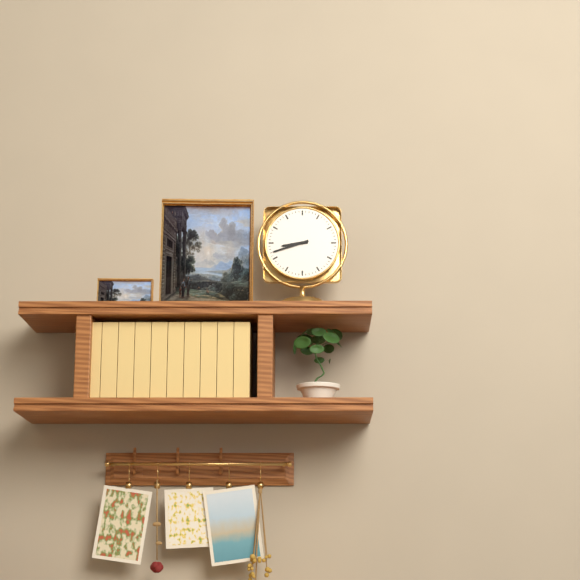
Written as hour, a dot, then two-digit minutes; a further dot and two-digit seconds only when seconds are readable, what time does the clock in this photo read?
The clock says 8.42
